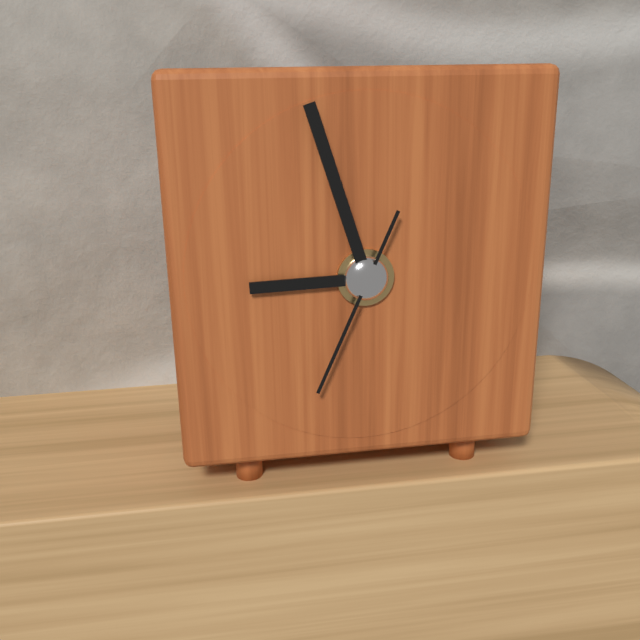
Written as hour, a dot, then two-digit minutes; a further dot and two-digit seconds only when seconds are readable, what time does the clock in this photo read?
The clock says 8.57.34
